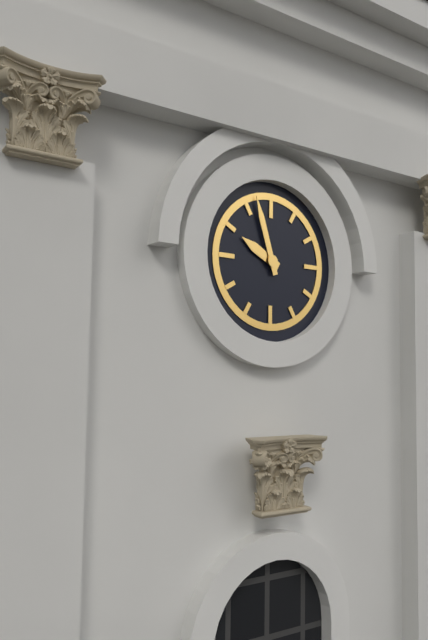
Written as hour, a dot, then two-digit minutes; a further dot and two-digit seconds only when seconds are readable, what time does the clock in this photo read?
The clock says 9.57
